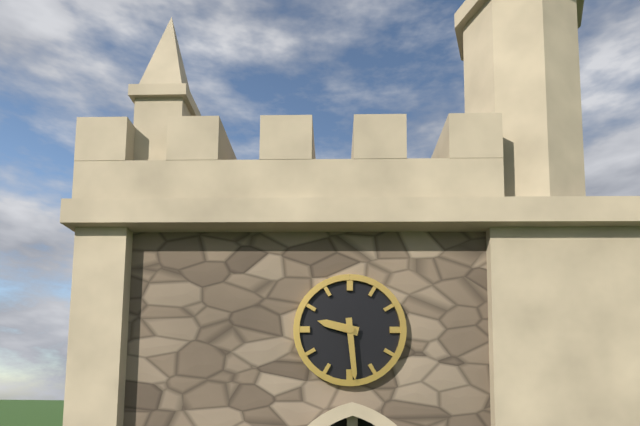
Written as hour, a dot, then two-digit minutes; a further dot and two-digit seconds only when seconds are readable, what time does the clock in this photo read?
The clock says 9.29
